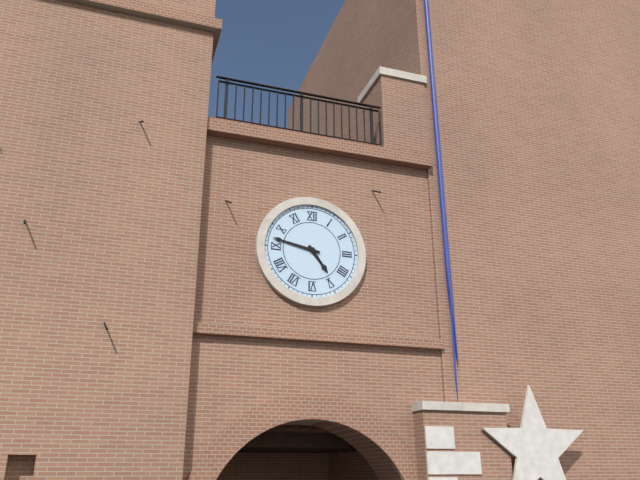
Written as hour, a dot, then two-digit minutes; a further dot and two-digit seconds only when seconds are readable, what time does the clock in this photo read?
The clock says 4.47
